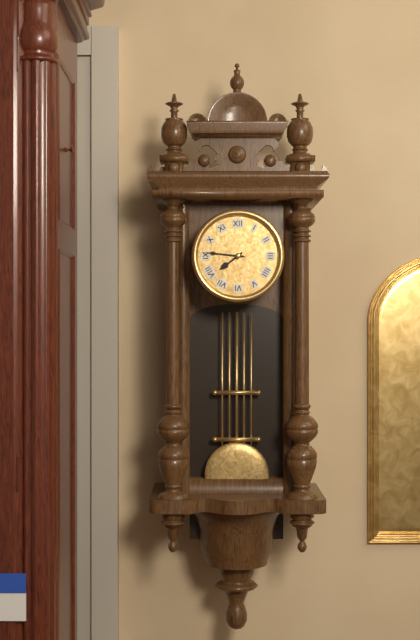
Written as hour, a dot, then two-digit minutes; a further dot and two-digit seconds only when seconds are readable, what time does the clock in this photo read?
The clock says 7.46
